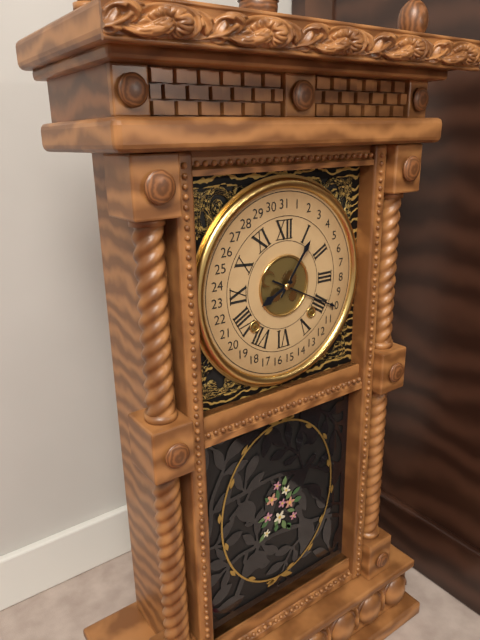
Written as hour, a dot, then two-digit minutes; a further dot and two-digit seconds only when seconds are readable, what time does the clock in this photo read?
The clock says 8.06
